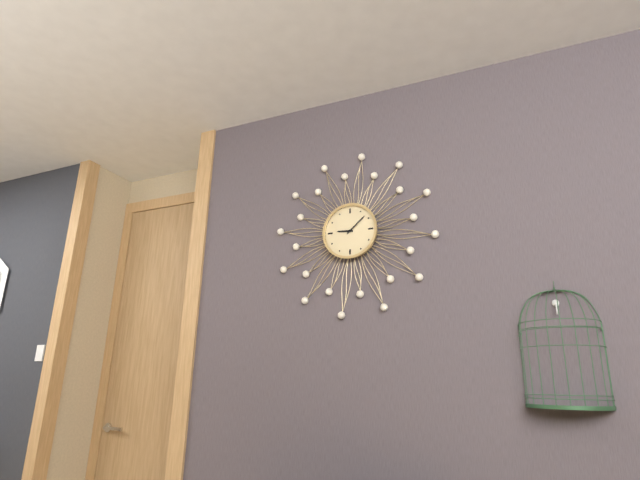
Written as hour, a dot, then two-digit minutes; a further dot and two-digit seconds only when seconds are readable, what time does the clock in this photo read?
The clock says 9.08
